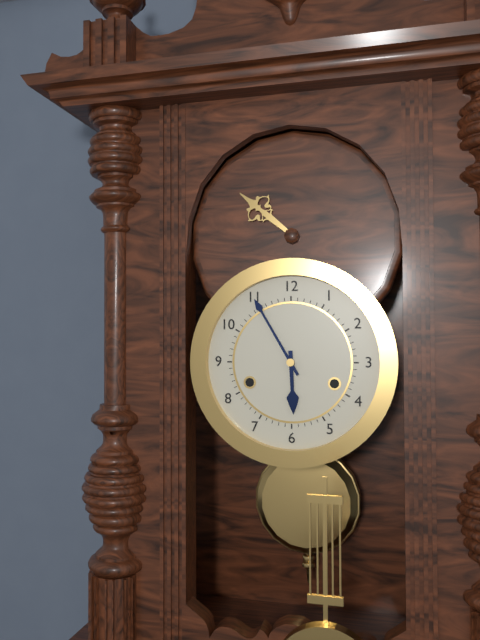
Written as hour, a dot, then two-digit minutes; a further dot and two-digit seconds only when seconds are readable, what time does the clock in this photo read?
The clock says 5.55
